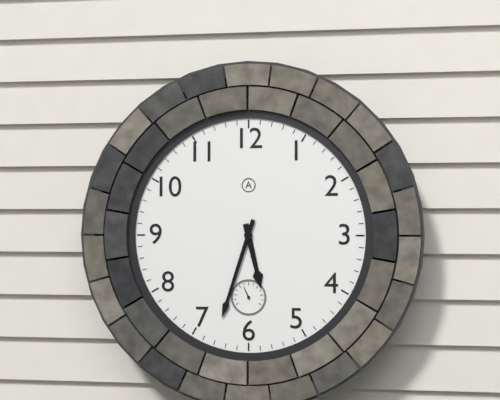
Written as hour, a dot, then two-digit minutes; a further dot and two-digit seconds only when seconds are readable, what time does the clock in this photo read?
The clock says 5.33
